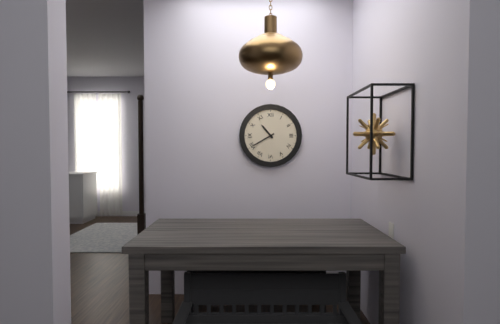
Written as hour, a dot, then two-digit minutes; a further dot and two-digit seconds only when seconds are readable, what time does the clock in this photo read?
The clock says 10.40
